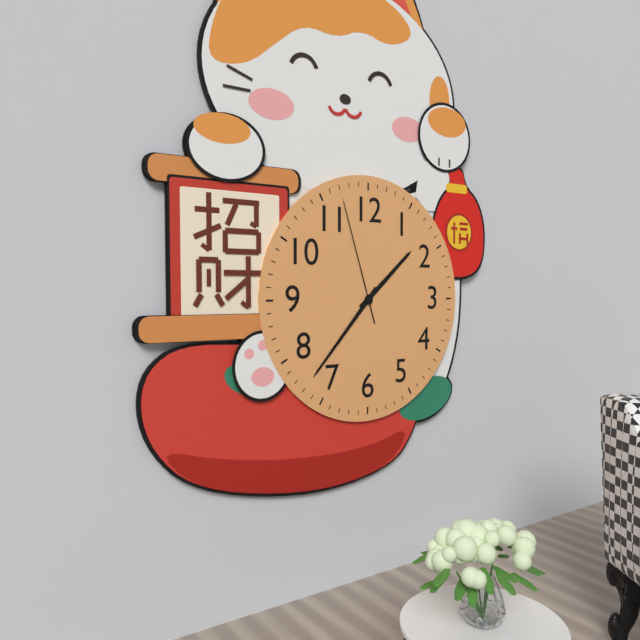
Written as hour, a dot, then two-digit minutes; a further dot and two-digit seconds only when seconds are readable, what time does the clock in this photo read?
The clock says 1.37.57
